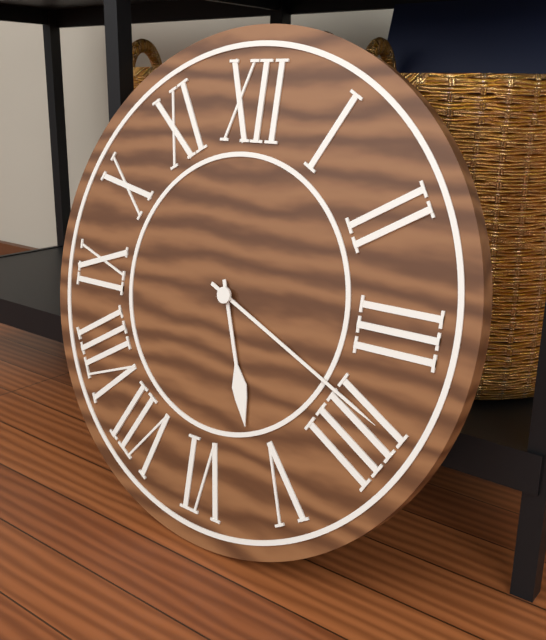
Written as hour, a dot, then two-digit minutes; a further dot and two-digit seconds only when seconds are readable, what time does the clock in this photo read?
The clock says 5.19
